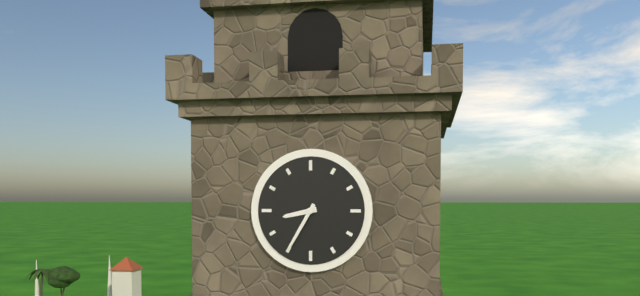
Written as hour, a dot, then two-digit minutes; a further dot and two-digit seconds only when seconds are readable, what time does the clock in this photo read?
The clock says 8.35
